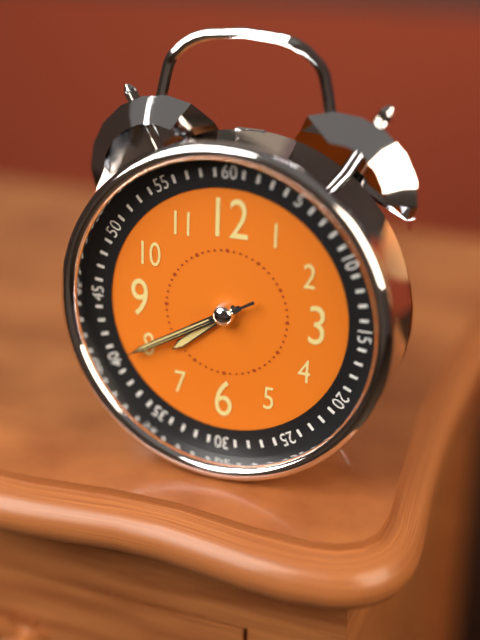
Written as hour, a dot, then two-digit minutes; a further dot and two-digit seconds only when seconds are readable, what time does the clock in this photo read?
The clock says 7.40.40
